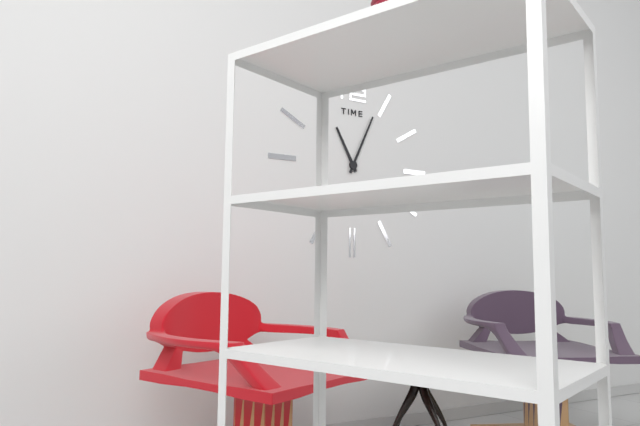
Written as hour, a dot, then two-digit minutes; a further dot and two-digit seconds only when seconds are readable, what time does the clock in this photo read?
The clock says 11.04
